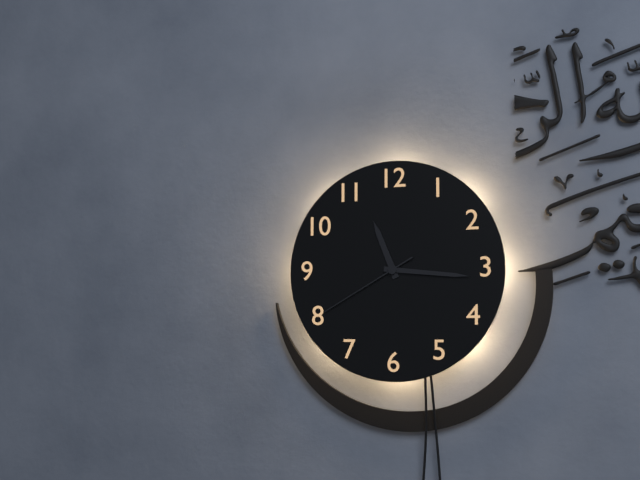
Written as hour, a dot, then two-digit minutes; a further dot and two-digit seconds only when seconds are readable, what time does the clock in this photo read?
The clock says 11.16.40
